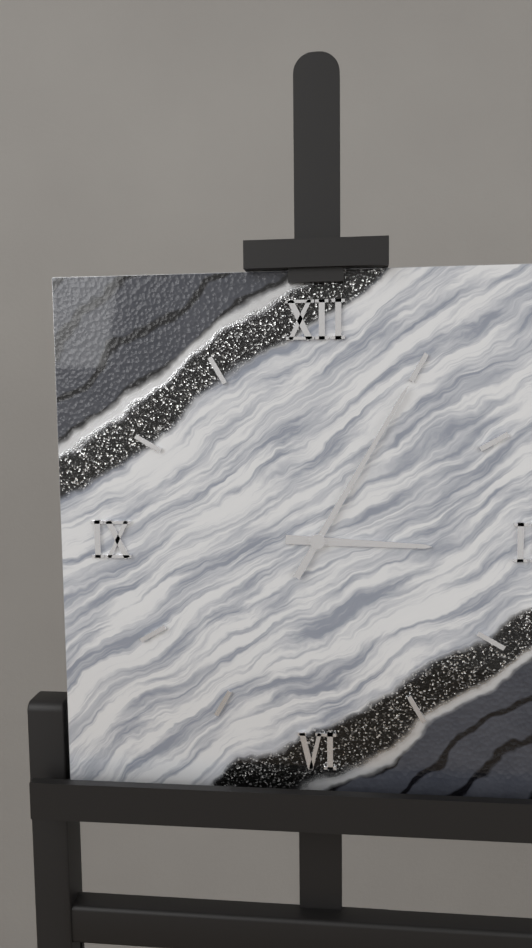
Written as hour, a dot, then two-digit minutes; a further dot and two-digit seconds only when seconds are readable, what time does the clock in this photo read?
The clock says 3.05
